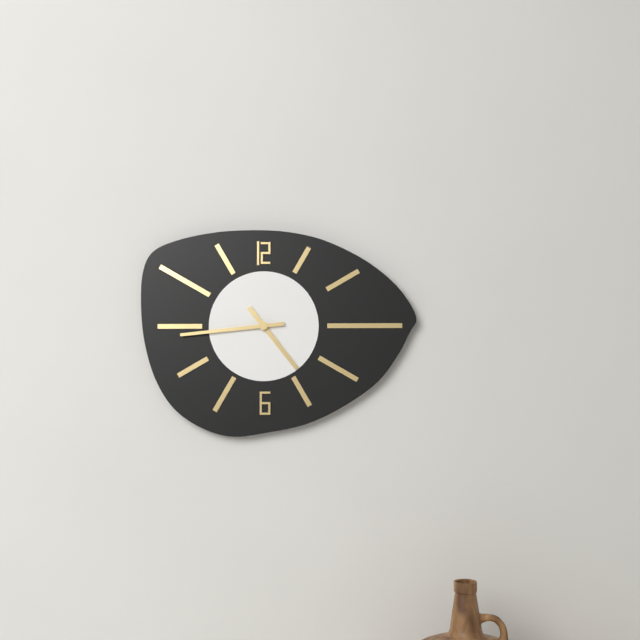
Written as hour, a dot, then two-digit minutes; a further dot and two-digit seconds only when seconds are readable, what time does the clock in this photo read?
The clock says 4.44
